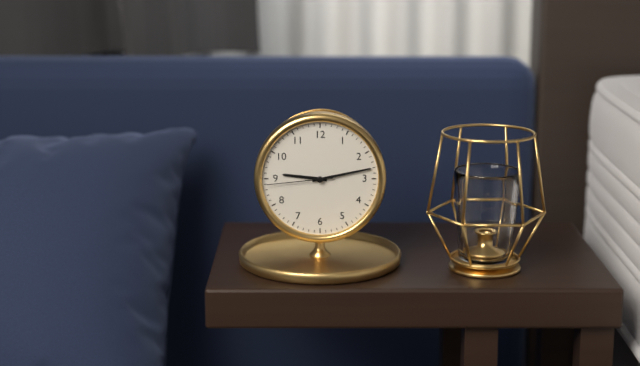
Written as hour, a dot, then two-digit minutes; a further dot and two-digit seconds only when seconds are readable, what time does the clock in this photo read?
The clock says 9.13.44
